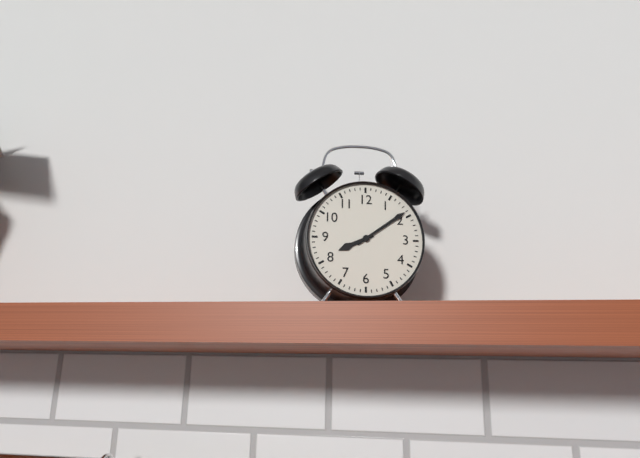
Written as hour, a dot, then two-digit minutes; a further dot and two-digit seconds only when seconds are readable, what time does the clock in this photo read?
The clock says 8.09
